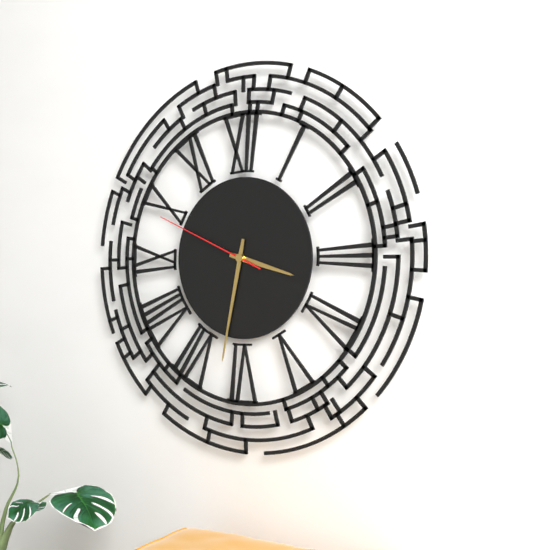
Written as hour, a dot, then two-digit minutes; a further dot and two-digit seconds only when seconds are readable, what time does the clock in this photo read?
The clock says 3.32.49
